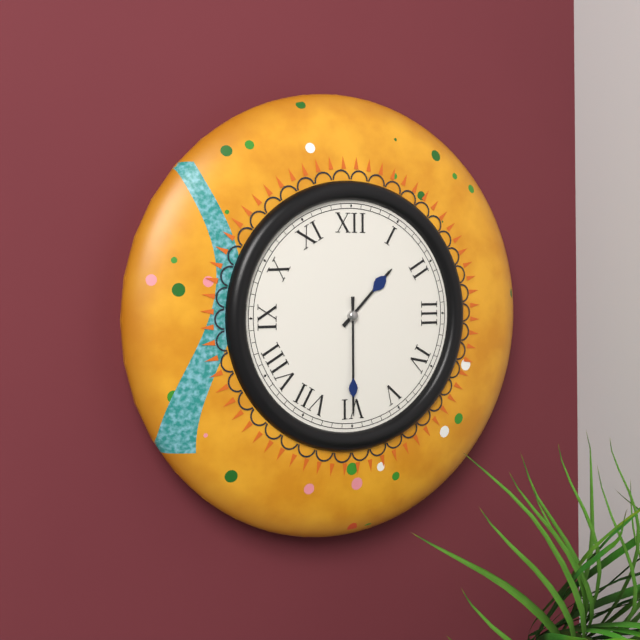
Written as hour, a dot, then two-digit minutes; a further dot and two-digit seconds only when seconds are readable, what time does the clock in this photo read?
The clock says 1.30
